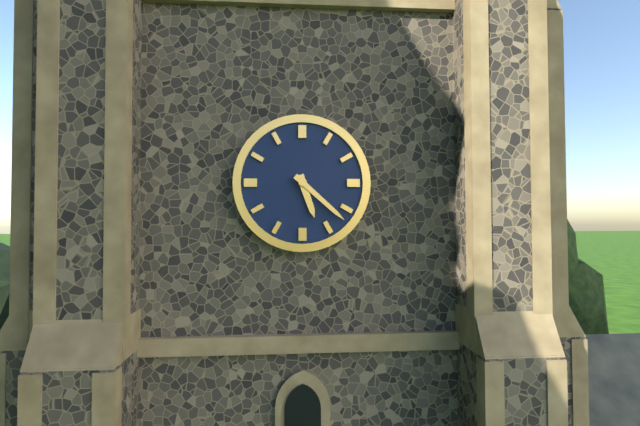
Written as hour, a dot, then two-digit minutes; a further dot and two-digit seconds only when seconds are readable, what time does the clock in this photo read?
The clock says 5.22
